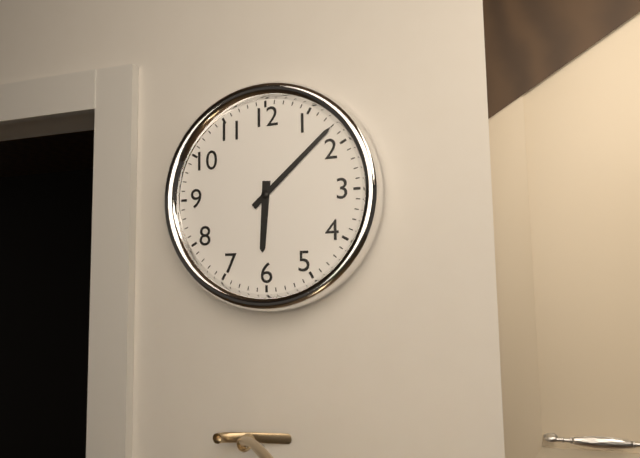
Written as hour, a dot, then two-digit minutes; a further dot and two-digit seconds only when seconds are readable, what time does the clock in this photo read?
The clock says 6.08
